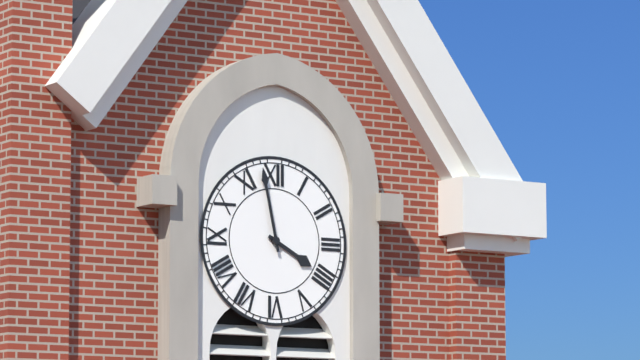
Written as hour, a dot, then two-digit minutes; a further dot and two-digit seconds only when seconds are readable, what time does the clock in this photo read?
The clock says 3.58
